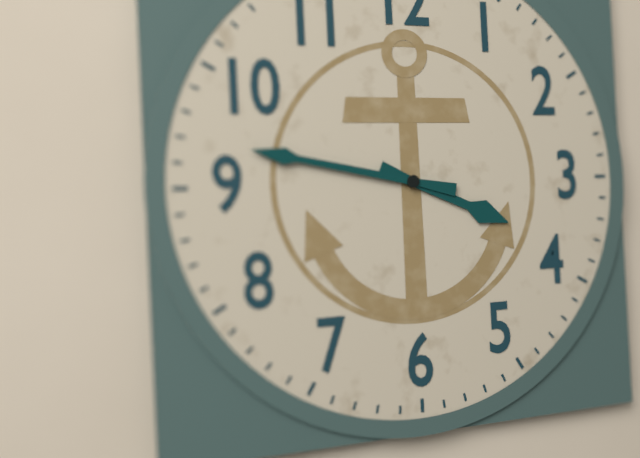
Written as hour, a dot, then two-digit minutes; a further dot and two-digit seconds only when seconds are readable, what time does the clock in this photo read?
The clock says 3.47
